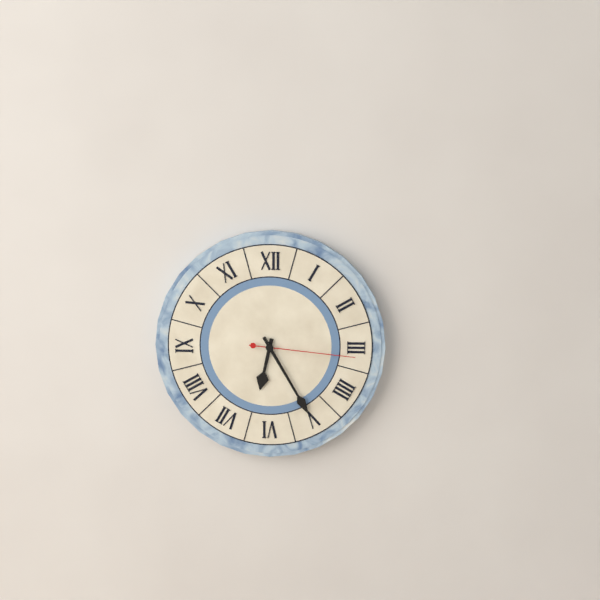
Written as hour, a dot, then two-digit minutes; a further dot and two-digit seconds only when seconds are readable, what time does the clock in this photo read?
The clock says 6.25.16
